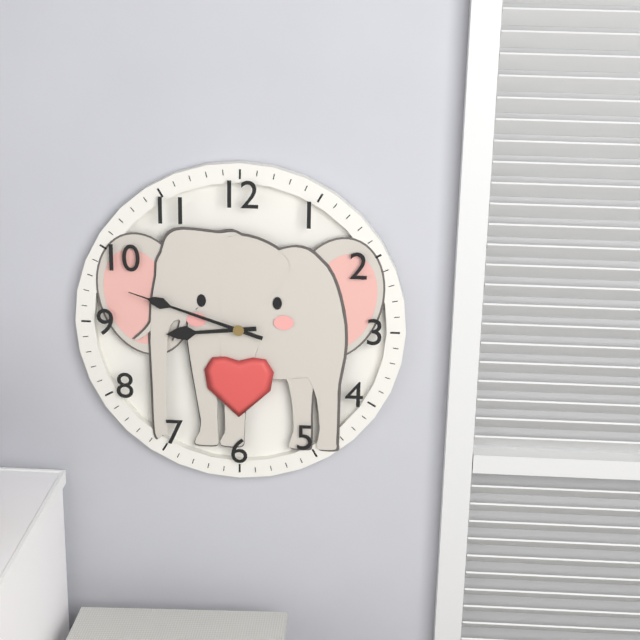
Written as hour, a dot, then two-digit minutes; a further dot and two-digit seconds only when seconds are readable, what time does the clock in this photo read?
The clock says 8.48
